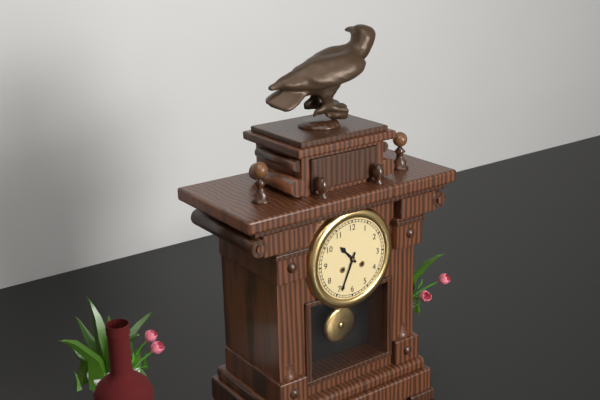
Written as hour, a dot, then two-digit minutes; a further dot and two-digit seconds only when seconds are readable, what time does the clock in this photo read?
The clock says 10.34
